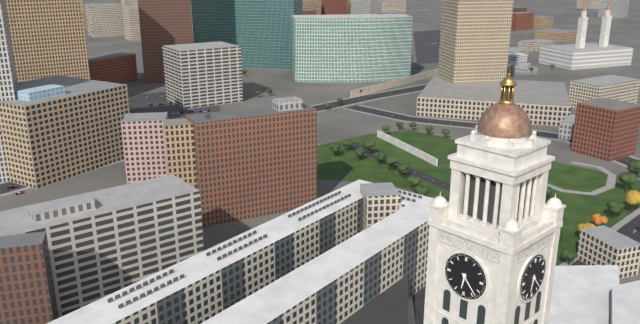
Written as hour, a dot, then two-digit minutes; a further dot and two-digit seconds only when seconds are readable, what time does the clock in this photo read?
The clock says 6.23
